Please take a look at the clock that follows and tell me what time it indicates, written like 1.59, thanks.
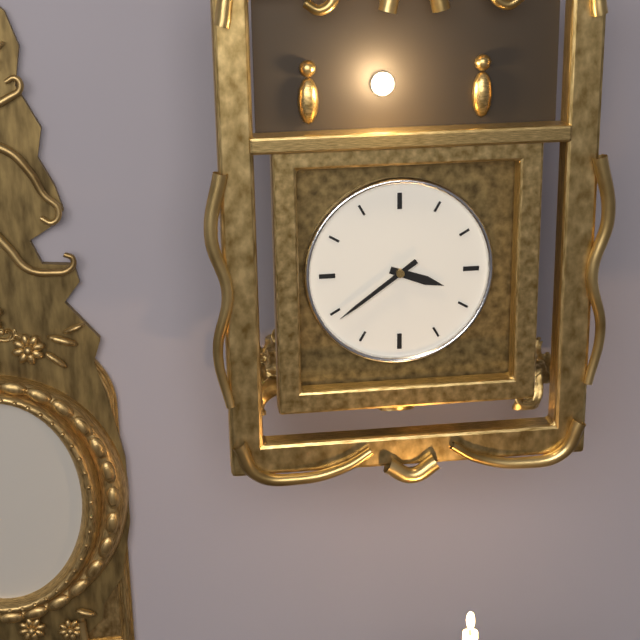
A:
3.39
